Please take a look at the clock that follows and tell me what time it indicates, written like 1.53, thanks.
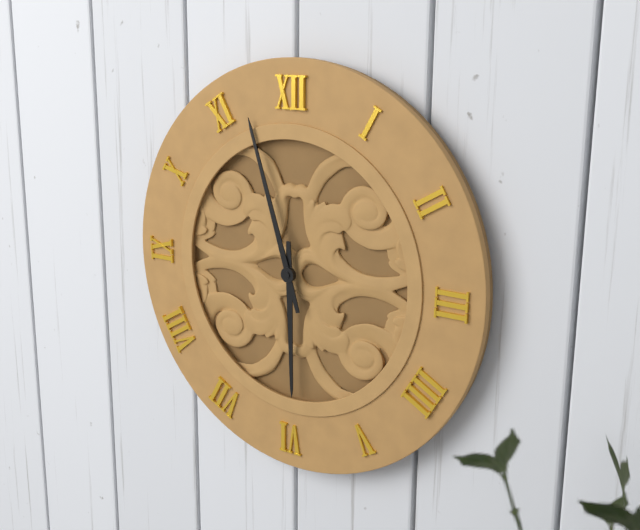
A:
5.57
